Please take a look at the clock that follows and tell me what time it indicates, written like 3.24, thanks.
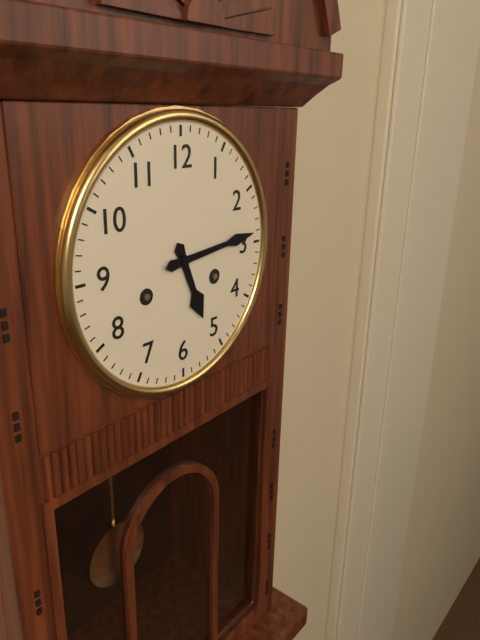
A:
5.14
